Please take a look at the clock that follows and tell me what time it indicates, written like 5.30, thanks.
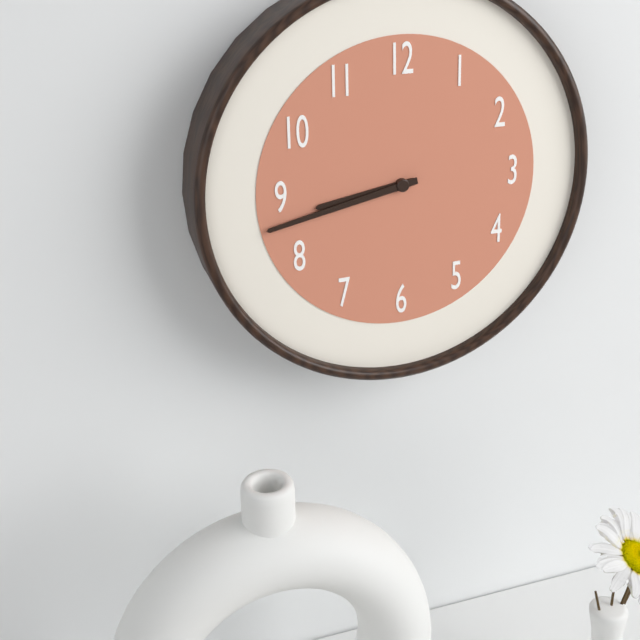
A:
8.43
